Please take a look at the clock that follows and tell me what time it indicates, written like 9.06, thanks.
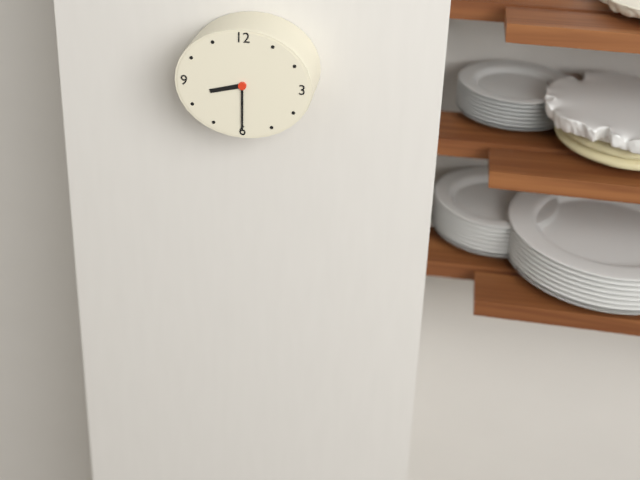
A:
8.30
